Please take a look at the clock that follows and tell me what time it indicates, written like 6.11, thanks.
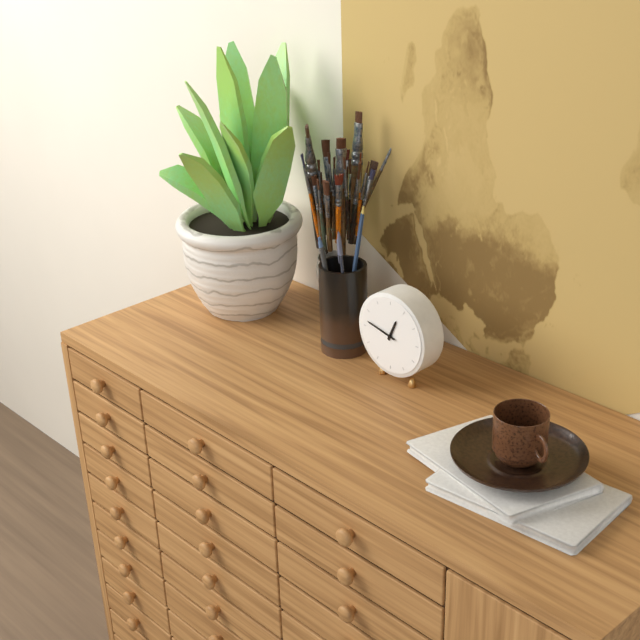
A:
12.47
